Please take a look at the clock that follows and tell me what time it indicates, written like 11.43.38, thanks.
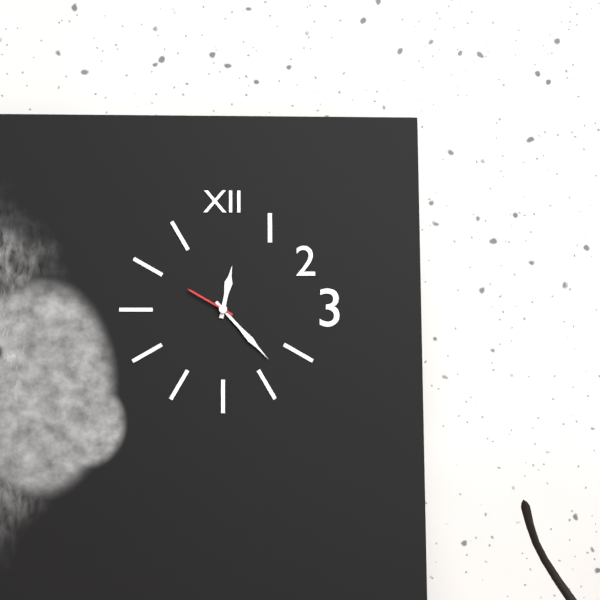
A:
12.23.50
